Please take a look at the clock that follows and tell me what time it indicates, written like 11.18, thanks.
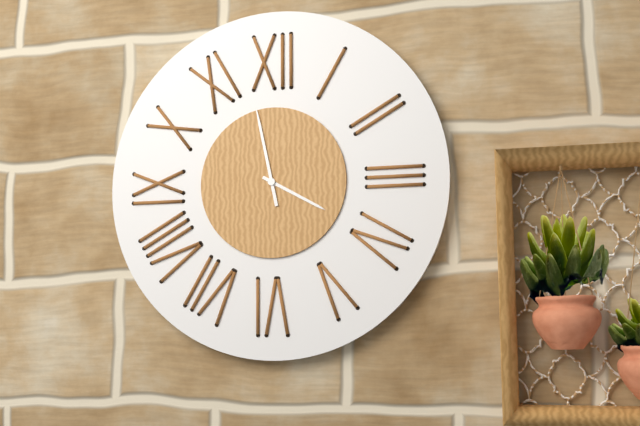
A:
3.58
